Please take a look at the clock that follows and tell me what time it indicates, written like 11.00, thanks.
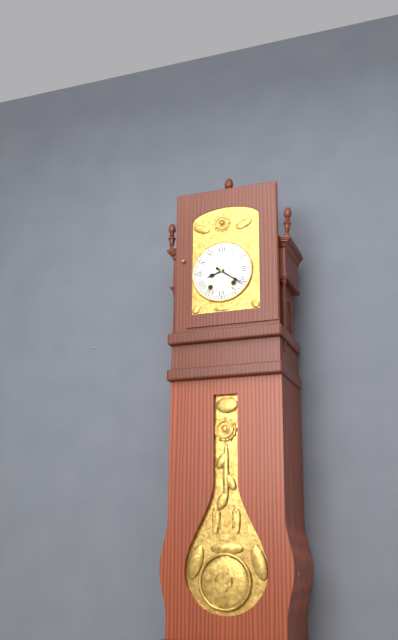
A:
8.21
